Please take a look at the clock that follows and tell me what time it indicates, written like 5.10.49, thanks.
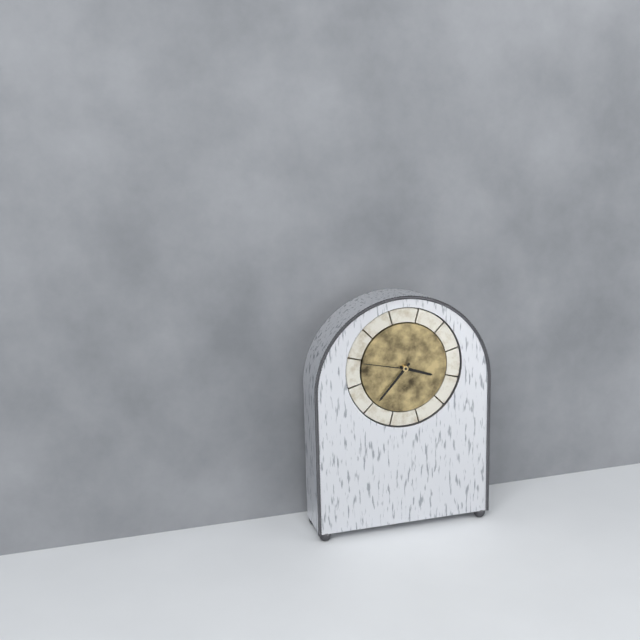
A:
3.37.47
